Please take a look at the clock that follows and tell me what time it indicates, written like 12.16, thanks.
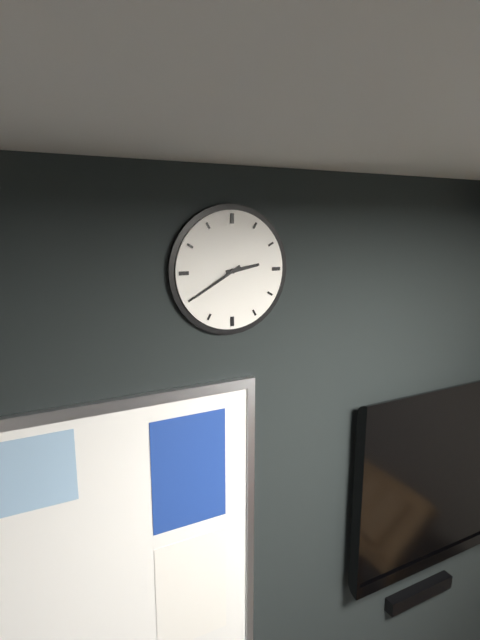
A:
2.40
